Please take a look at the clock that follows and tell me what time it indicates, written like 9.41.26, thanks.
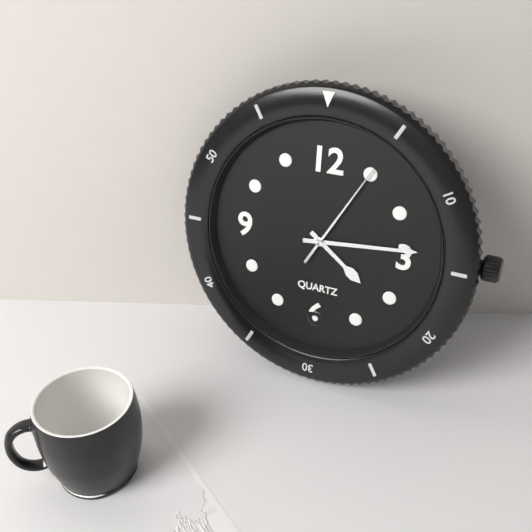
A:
4.14.05
